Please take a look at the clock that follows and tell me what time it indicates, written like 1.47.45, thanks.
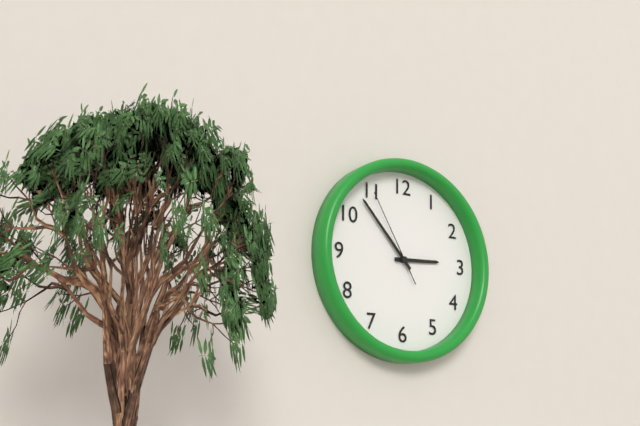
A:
2.53.55
